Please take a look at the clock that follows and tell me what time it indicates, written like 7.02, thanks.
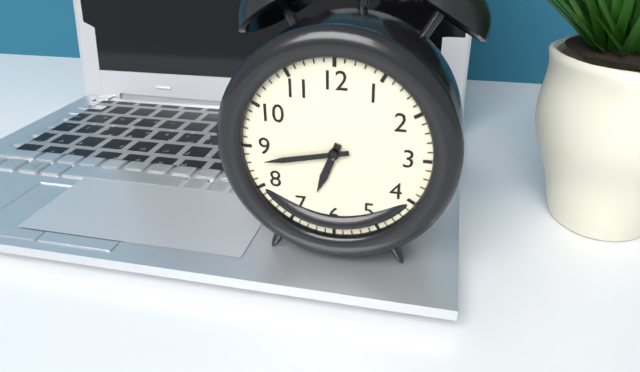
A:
6.43
